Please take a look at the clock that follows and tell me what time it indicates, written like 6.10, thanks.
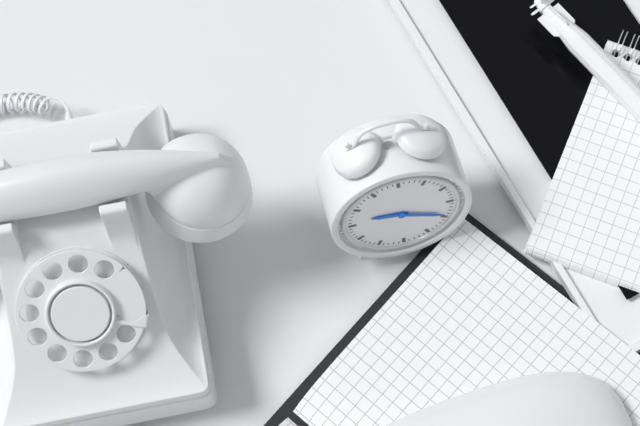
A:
9.19
